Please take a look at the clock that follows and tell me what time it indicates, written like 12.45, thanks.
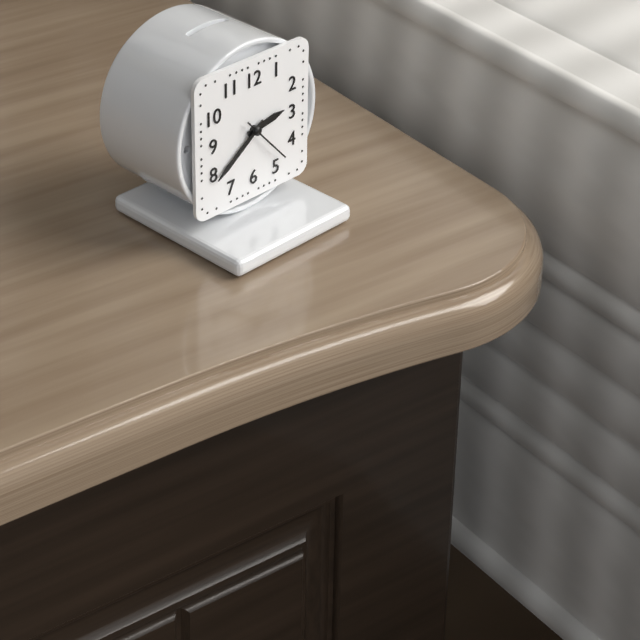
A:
2.39
